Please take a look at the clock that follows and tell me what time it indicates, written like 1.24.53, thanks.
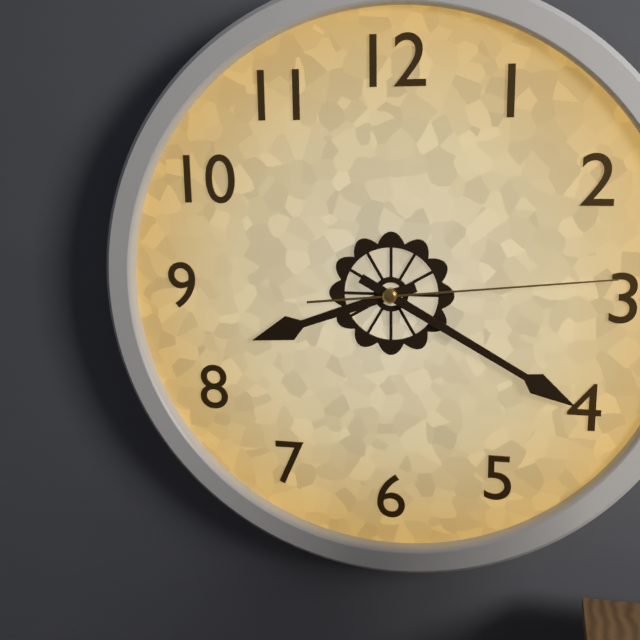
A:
8.20.14
